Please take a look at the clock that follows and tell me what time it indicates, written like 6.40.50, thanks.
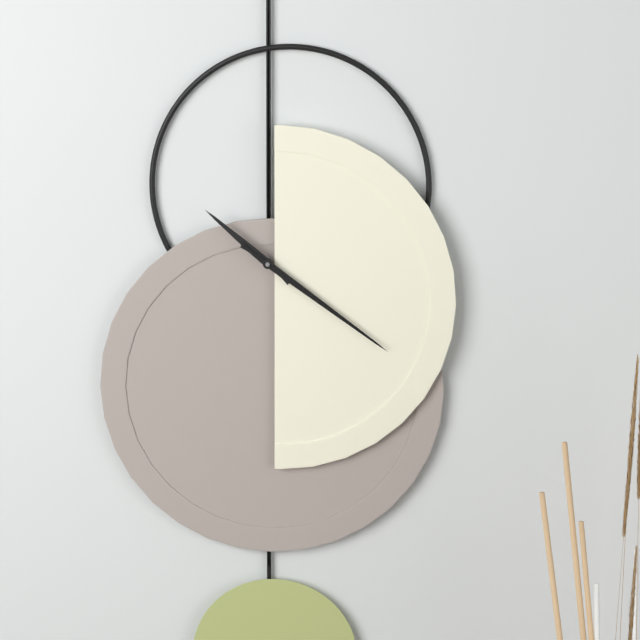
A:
10.21.21
